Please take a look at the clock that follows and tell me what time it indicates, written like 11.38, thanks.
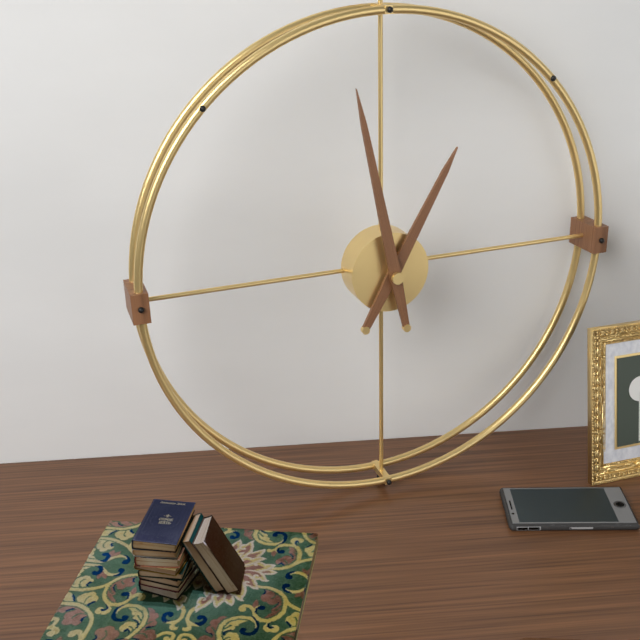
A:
12.58
